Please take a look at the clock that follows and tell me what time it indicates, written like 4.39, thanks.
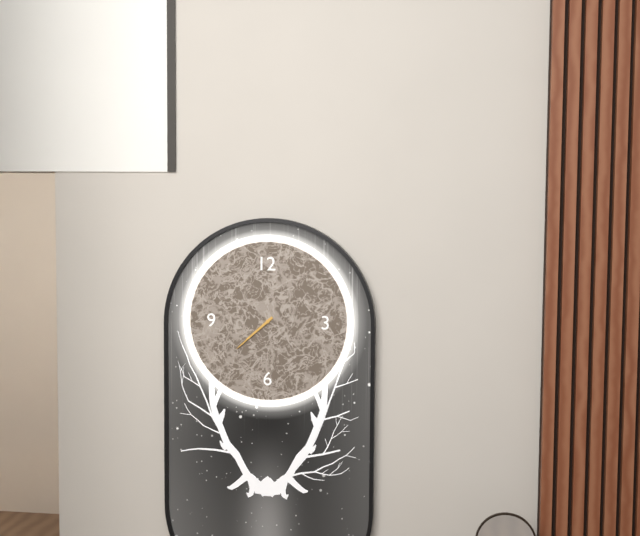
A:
7.38
